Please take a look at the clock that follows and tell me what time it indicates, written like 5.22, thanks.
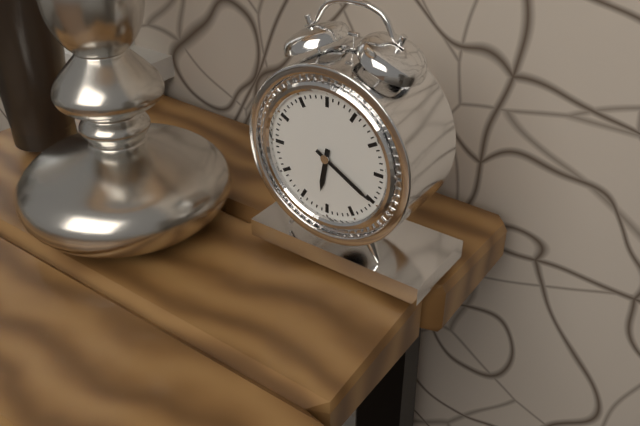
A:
6.20
